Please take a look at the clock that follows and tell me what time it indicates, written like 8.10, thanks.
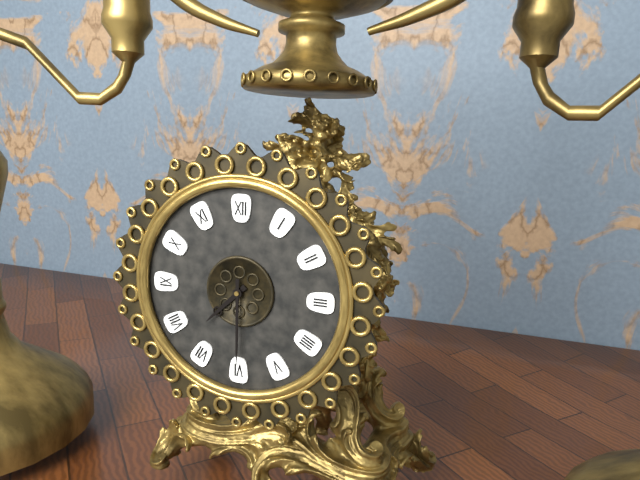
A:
7.30
